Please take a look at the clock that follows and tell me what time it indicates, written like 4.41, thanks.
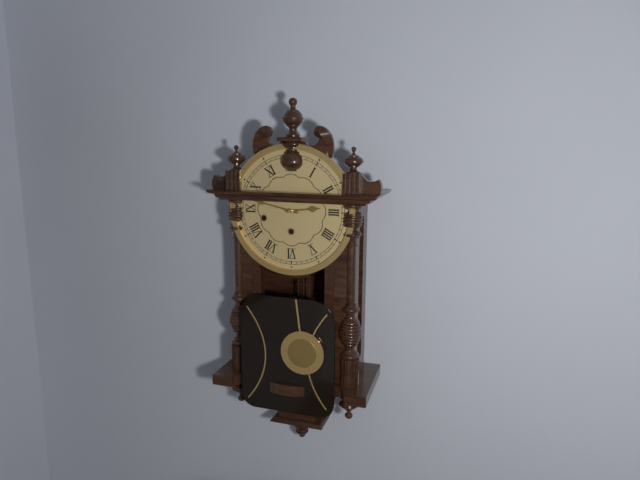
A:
2.47
